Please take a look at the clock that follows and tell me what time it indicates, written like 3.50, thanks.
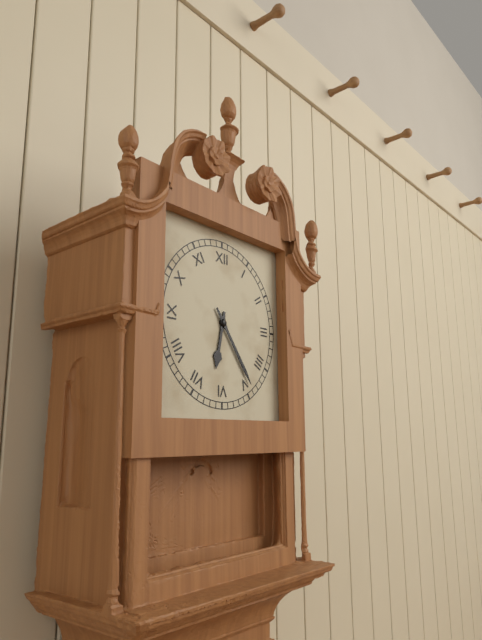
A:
6.24
